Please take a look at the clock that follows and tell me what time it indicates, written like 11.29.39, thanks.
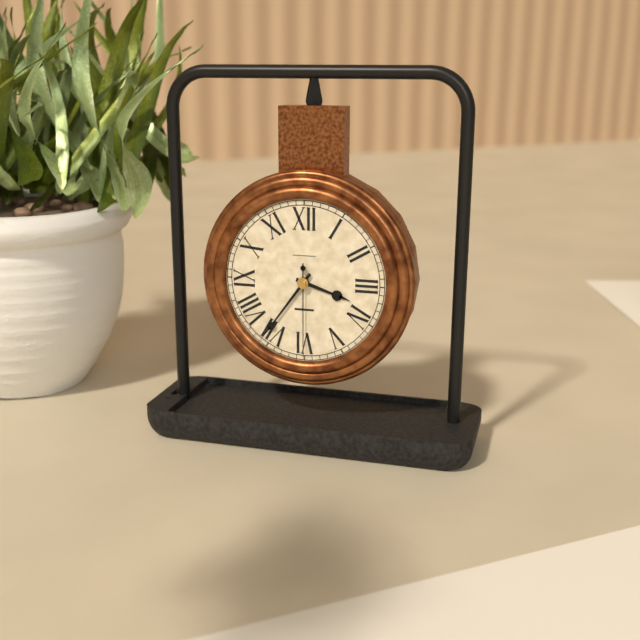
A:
3.36.30
